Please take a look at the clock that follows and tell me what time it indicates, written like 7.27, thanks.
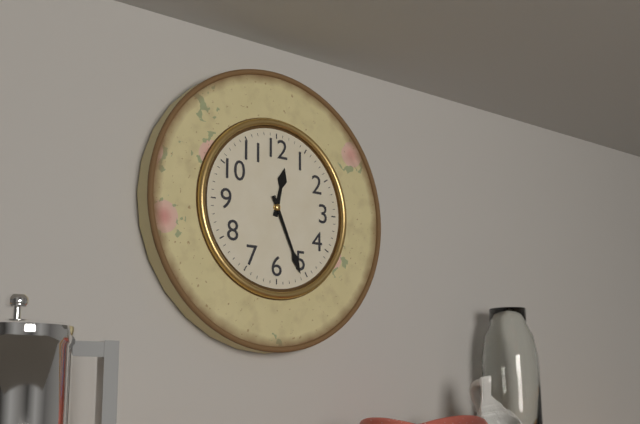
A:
12.26
